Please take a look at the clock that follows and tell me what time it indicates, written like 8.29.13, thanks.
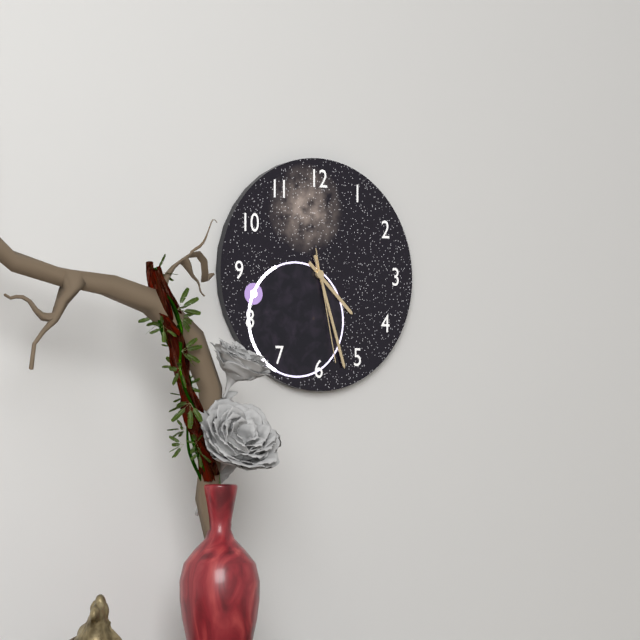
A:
4.27.28
